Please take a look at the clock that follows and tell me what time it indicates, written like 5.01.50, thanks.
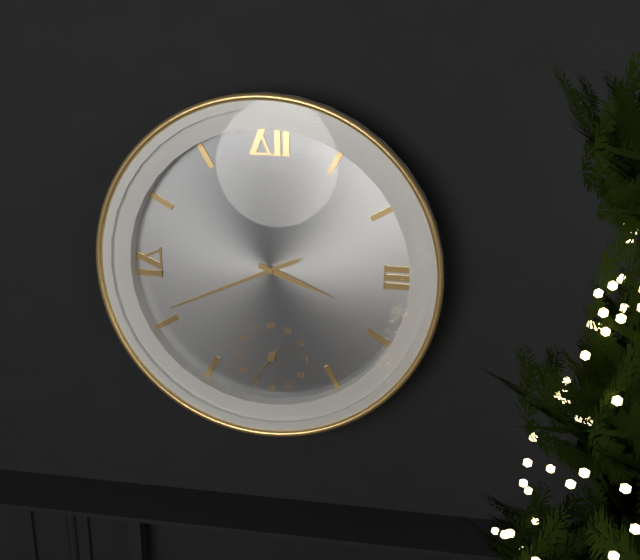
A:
3.41.36
